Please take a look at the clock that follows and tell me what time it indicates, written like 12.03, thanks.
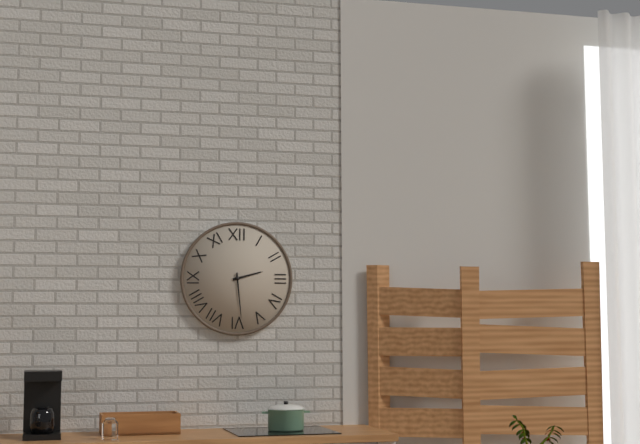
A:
2.29
